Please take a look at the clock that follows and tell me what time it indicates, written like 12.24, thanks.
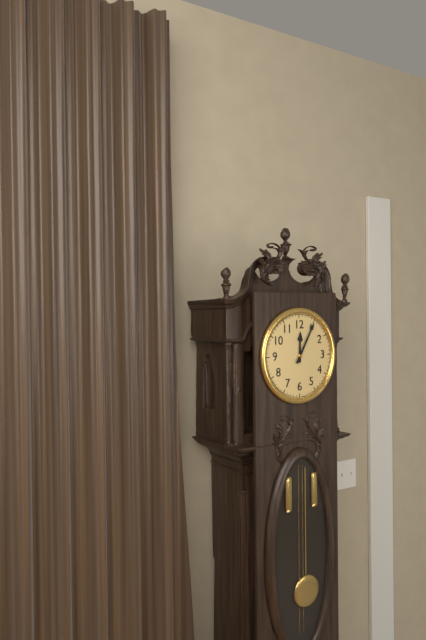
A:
12.05
